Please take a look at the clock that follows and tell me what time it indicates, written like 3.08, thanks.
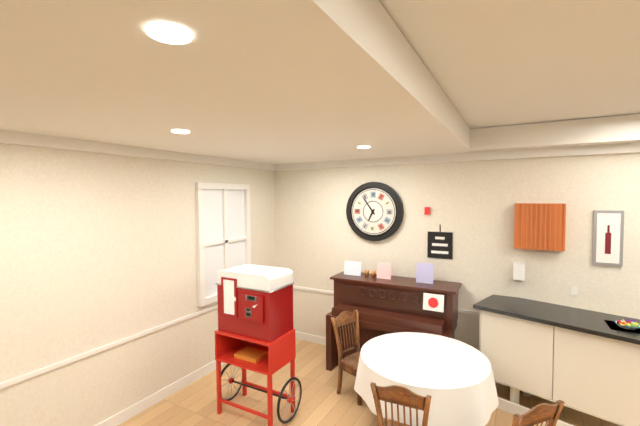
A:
6.54
